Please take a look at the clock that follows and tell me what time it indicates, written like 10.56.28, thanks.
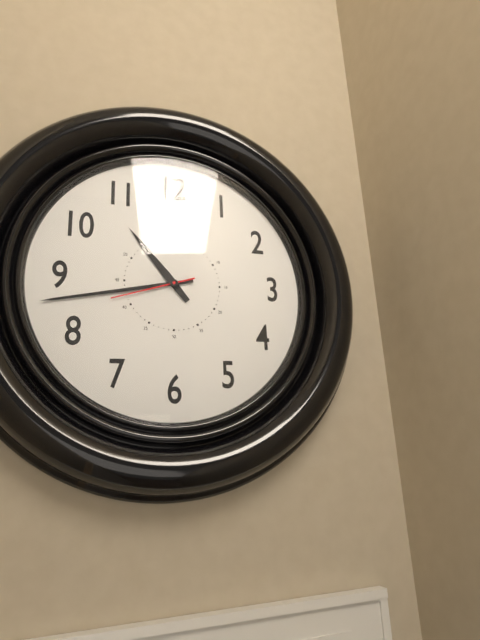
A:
10.43.42
